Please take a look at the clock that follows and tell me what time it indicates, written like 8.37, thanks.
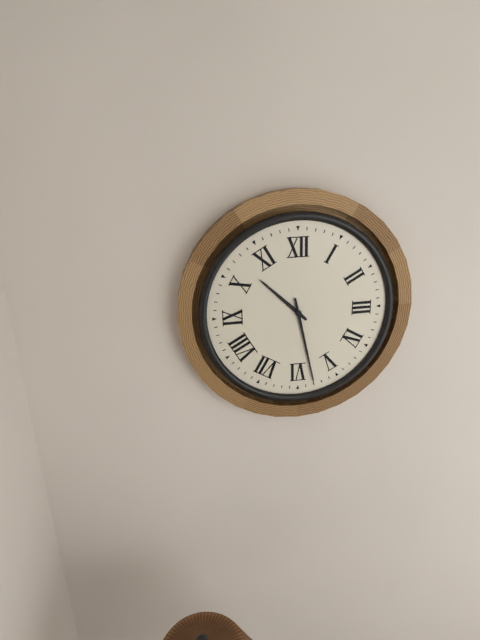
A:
10.28
